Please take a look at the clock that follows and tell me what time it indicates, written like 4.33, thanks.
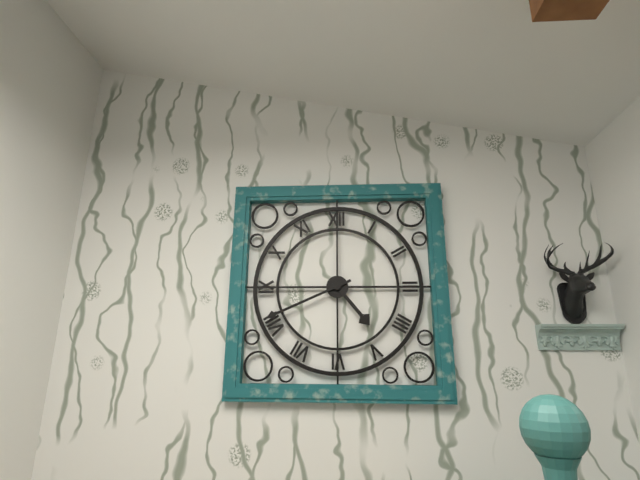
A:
4.41
